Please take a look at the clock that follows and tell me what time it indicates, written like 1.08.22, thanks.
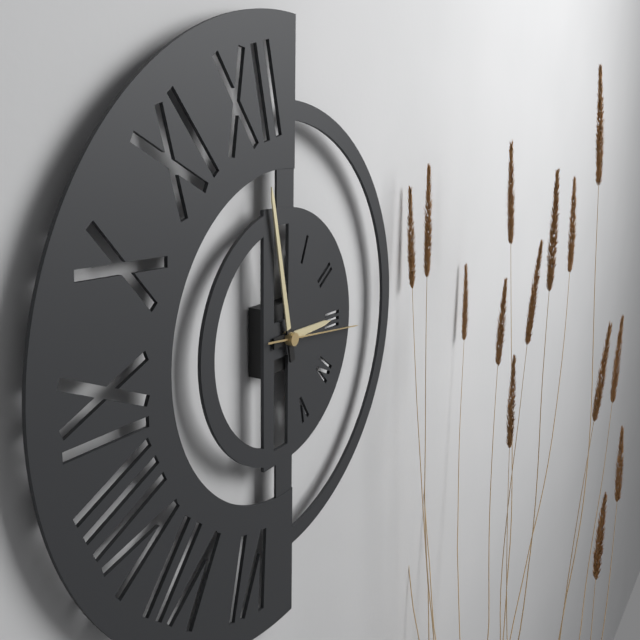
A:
2.58.16
